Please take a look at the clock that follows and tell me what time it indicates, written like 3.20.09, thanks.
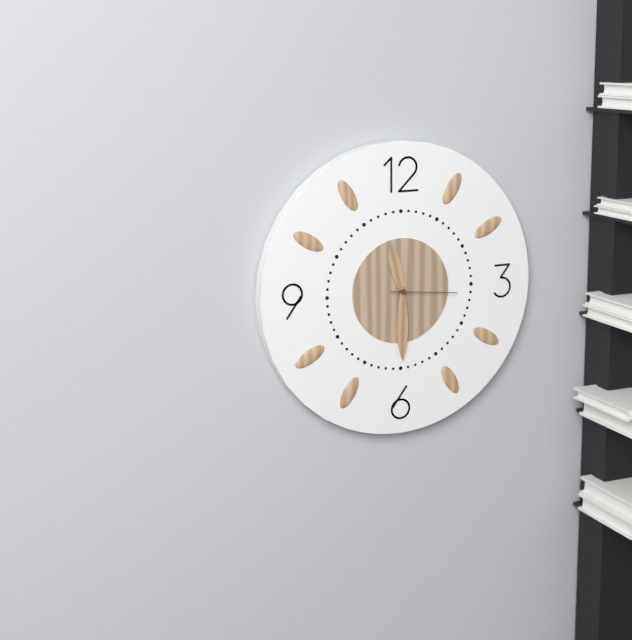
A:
11.30.16
